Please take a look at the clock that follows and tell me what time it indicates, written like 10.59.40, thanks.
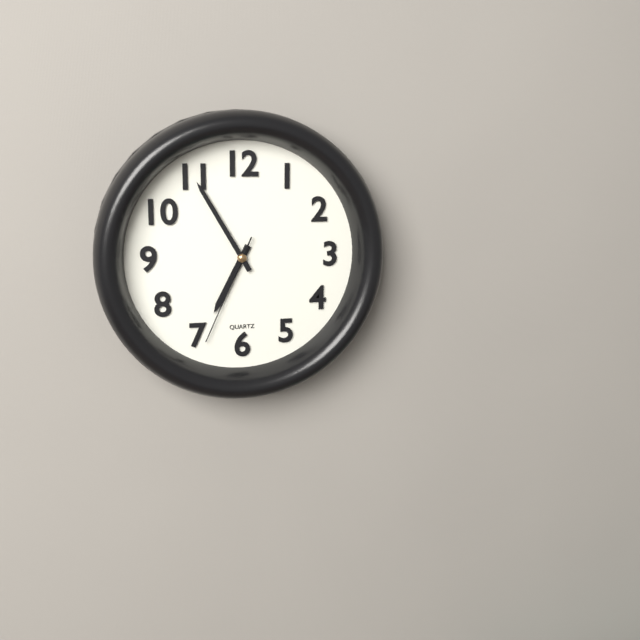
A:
6.55.34
